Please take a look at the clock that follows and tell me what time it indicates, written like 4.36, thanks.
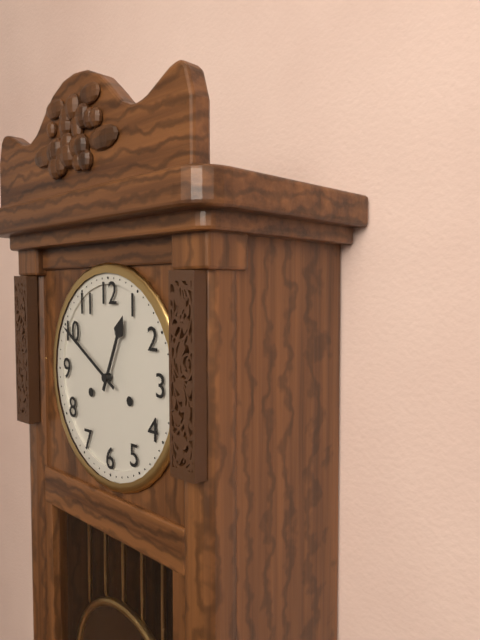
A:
12.50
